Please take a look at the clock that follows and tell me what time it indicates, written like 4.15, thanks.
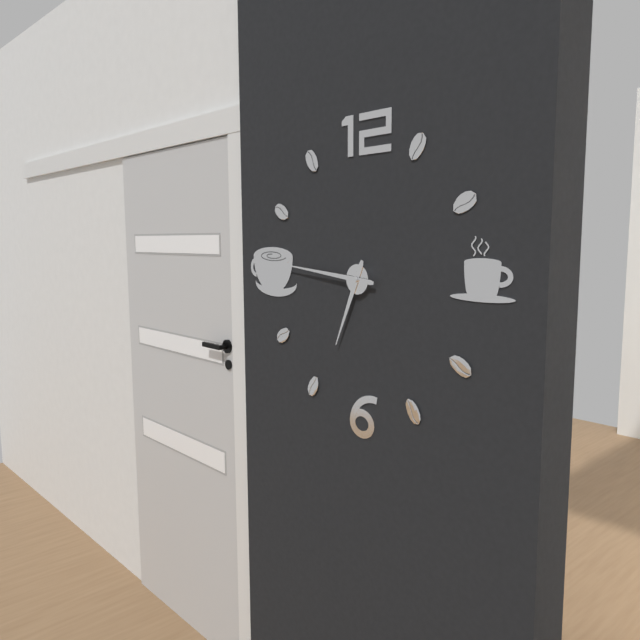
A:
6.46
